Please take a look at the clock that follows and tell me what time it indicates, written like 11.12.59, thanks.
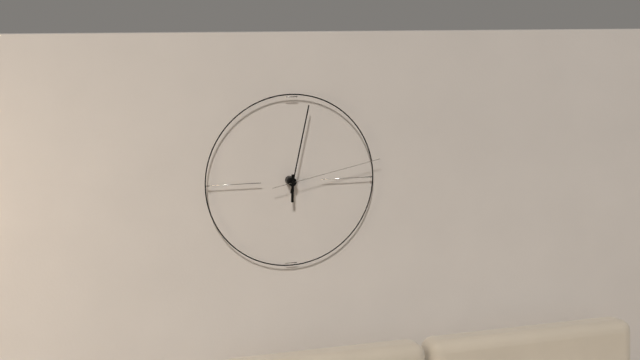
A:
6.02.13
